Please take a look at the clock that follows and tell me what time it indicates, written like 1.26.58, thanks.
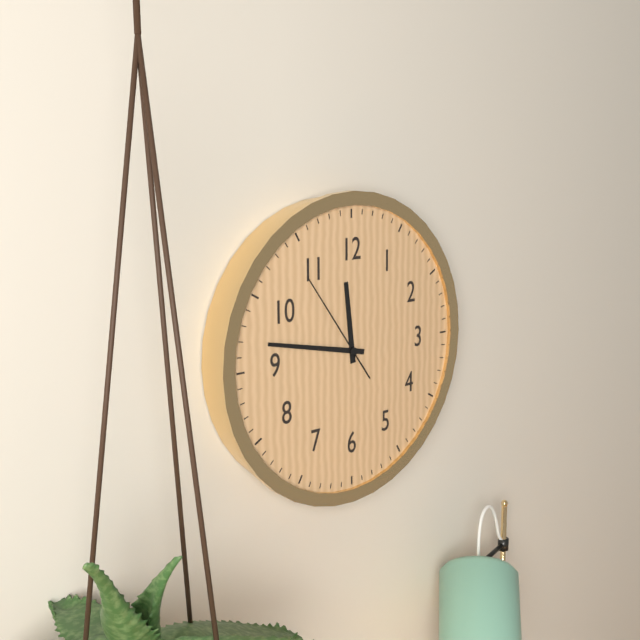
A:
11.47.54
